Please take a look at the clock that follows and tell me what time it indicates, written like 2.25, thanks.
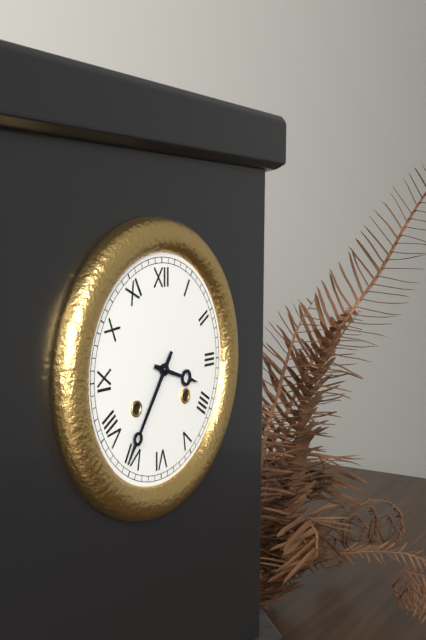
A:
3.36
